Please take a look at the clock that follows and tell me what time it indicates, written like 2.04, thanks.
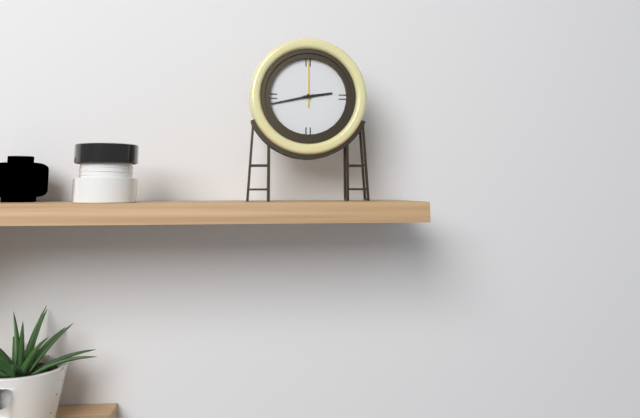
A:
2.43
